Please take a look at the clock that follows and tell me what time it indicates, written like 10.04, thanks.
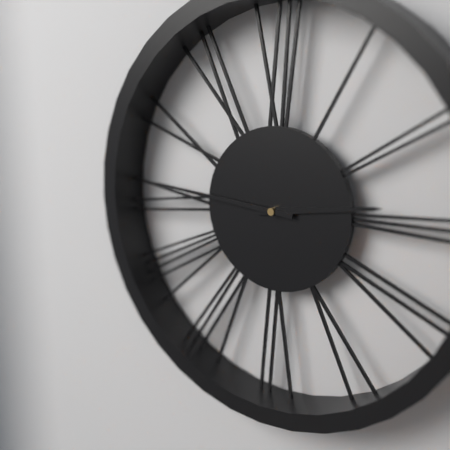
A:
2.46
